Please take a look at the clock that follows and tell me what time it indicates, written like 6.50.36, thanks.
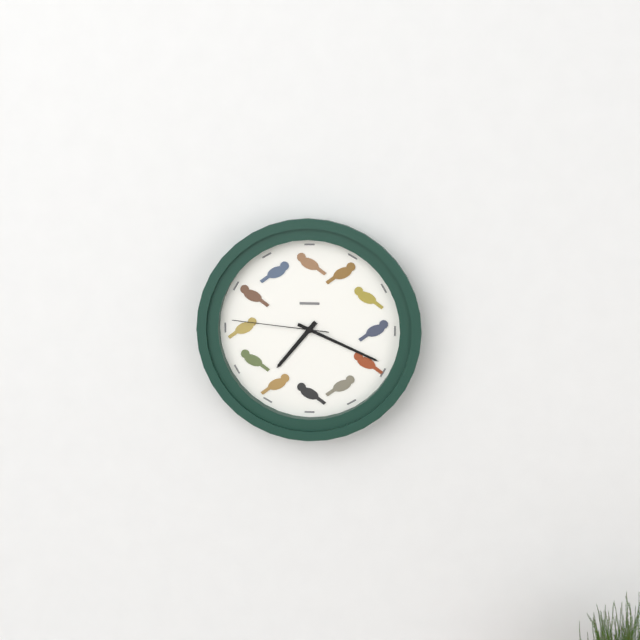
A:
7.19.46
